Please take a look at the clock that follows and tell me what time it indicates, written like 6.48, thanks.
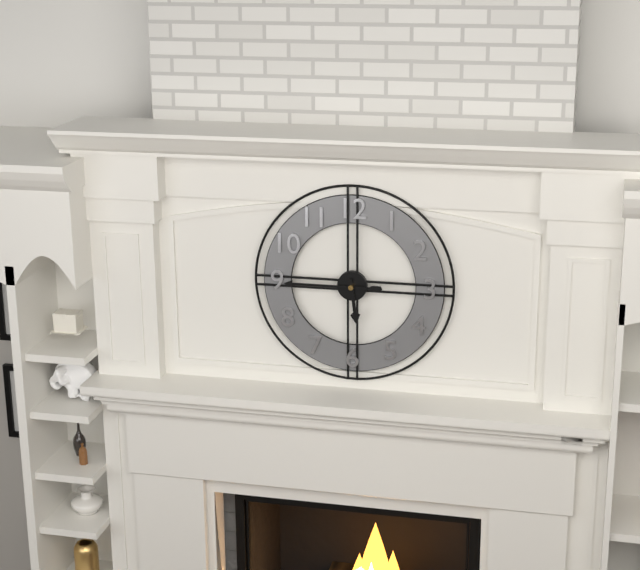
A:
5.45
